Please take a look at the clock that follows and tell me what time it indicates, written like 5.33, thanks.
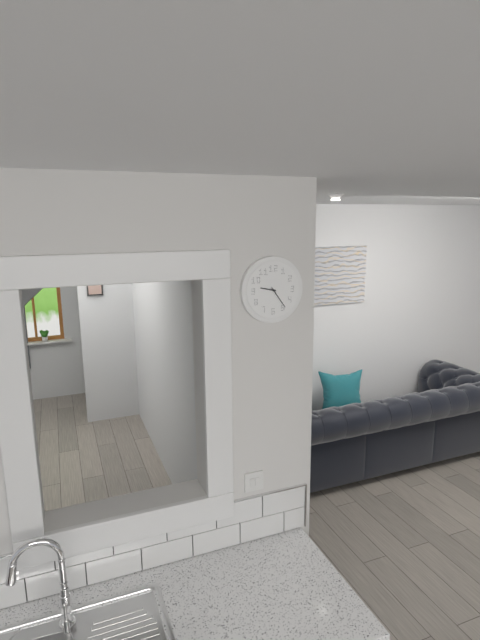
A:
9.24
